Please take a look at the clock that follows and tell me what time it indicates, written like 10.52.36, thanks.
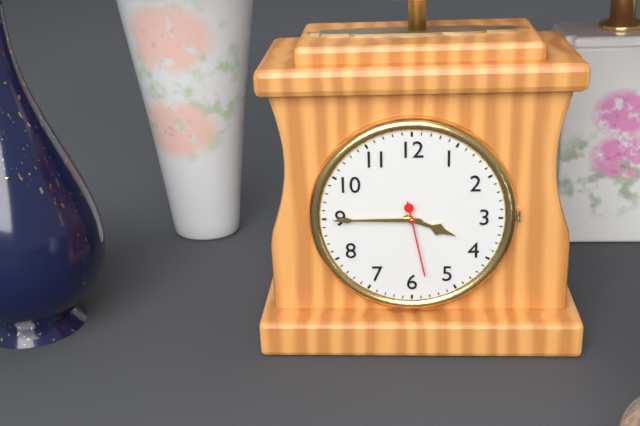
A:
3.45.28
